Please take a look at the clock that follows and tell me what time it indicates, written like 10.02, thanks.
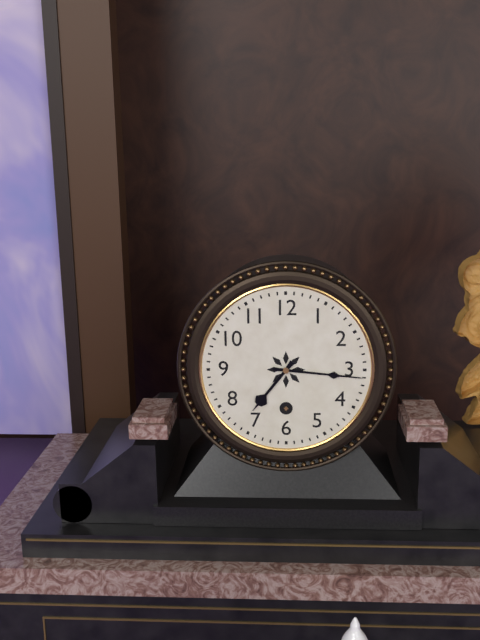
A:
7.16
